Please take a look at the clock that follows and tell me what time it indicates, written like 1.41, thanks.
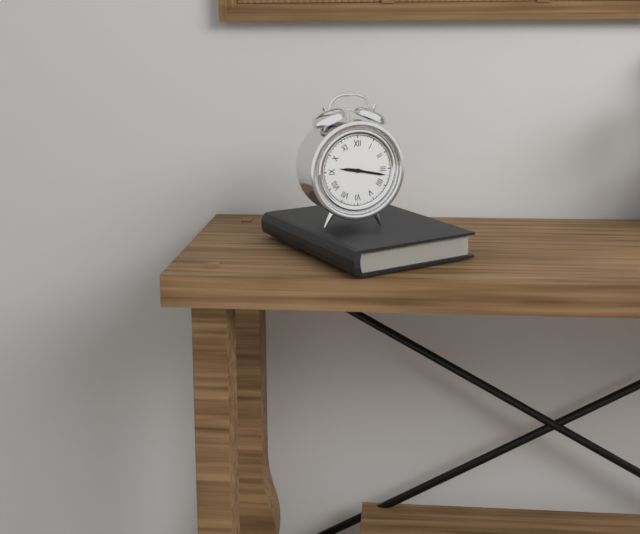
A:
9.17
